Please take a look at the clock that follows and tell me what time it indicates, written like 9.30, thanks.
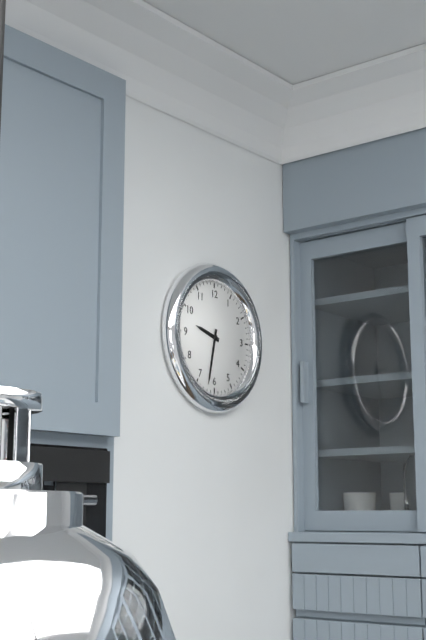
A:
9.32
